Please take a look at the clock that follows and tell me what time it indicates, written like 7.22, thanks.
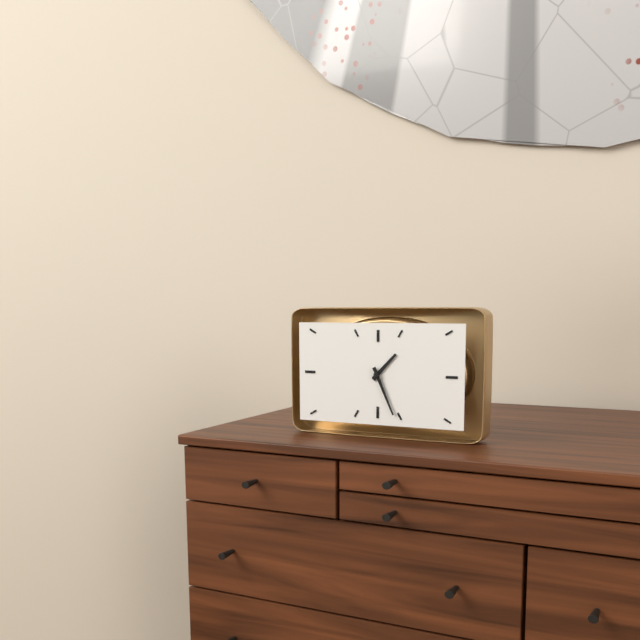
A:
1.26
